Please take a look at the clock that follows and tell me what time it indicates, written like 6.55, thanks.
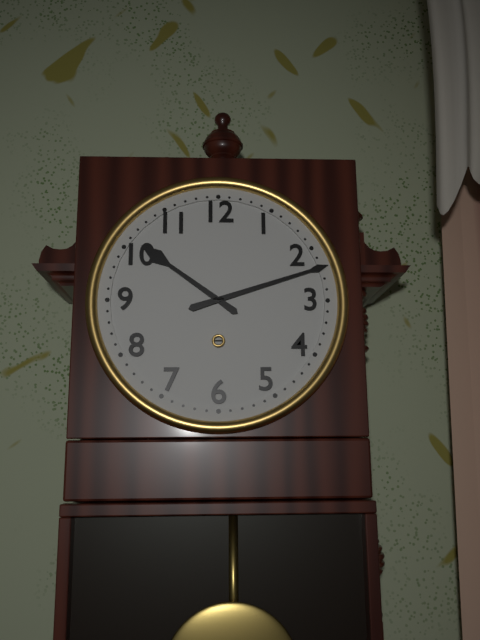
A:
10.12
